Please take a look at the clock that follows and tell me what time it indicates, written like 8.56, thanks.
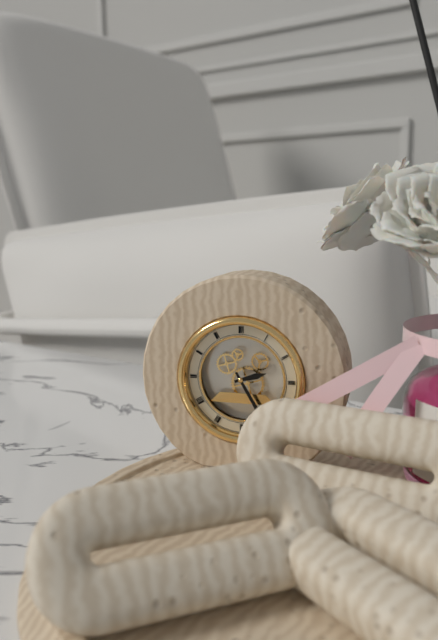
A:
2.25
